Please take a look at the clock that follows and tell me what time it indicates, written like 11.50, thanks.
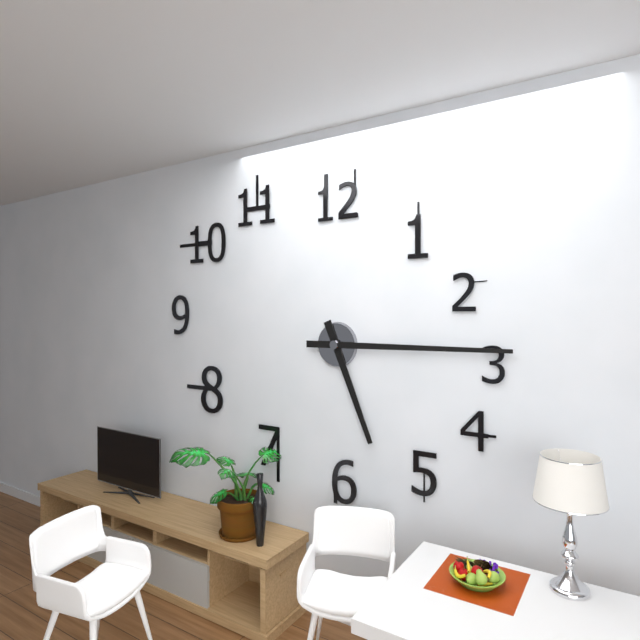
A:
5.15
